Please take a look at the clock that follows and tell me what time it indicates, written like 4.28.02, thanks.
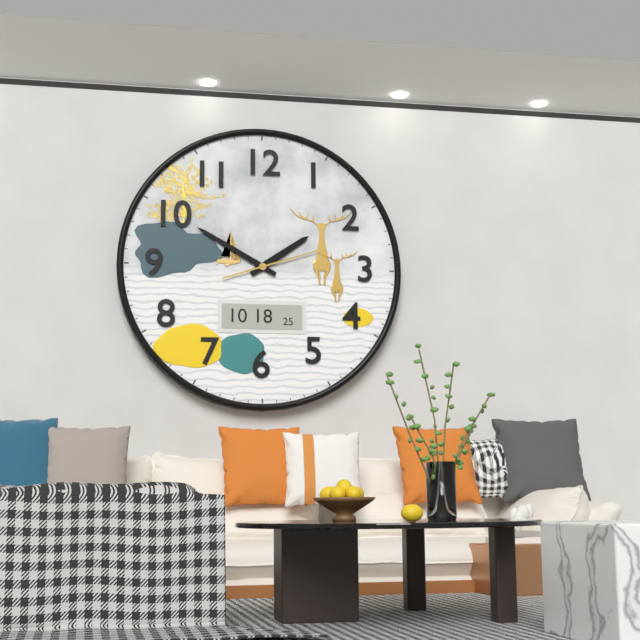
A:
1.50.12
